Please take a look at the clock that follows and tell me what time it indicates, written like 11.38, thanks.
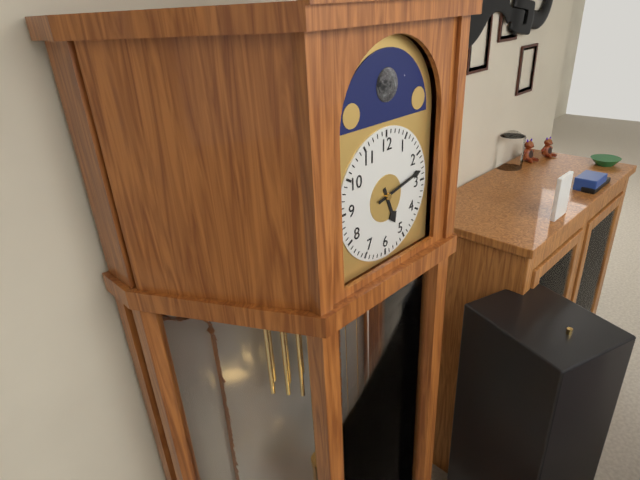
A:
5.13
